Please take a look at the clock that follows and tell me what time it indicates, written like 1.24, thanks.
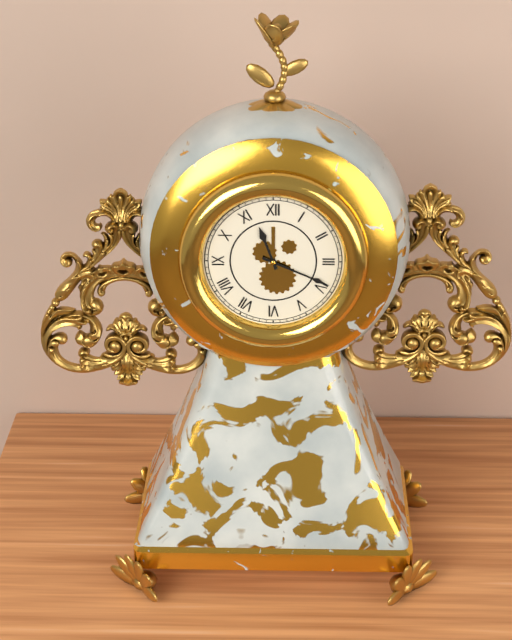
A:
11.19
